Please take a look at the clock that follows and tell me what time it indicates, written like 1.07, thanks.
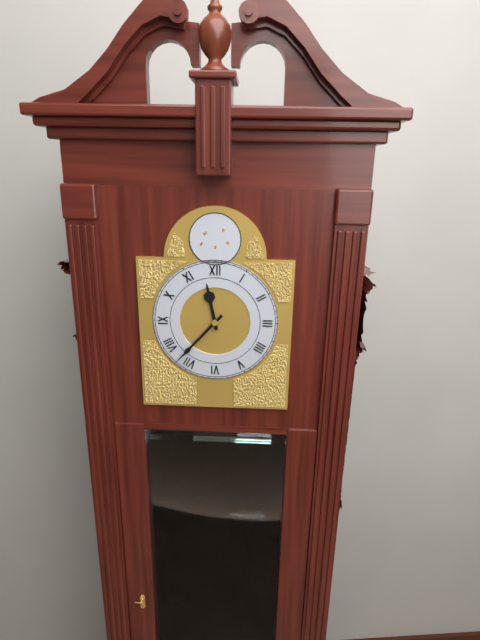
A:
11.37
